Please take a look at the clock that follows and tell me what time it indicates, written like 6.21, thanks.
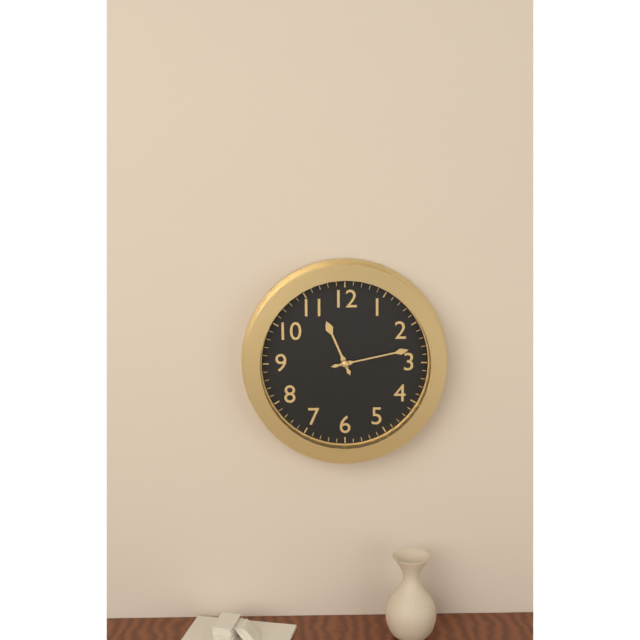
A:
11.13
